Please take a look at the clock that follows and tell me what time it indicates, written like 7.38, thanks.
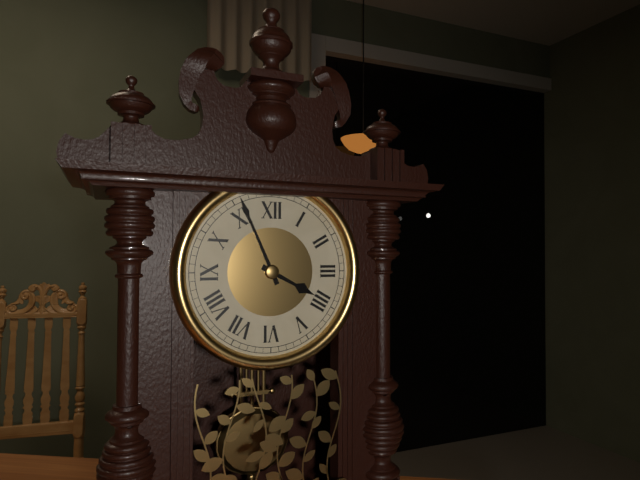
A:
3.56
